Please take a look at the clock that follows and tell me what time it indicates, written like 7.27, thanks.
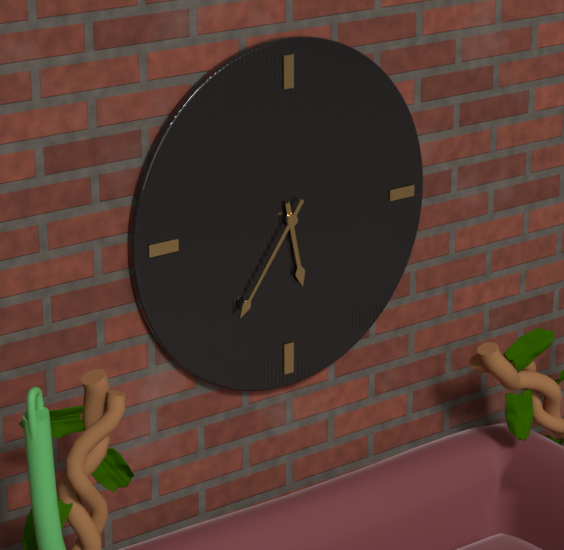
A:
5.36
